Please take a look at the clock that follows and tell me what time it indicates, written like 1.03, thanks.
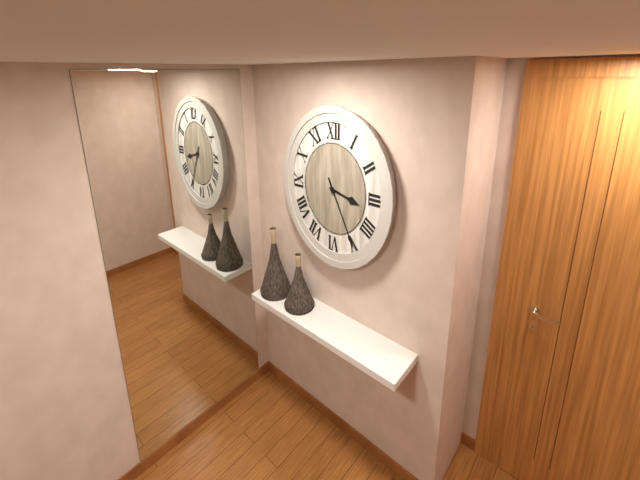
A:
3.25
